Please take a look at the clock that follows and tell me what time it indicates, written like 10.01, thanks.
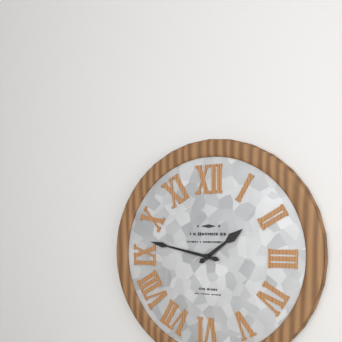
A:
1.47
